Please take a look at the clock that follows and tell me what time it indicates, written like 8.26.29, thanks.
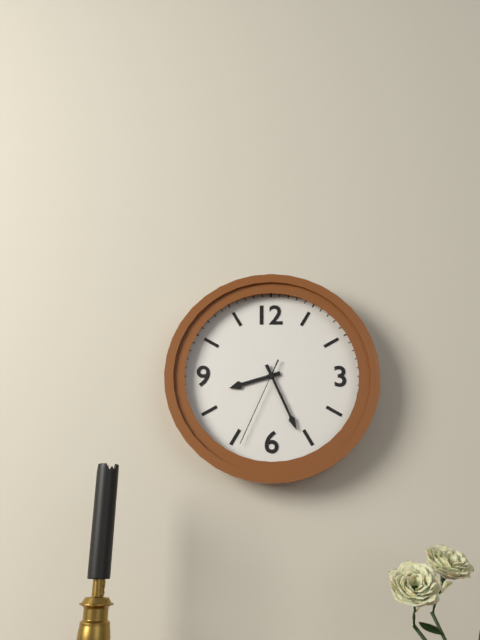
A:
8.26.34
